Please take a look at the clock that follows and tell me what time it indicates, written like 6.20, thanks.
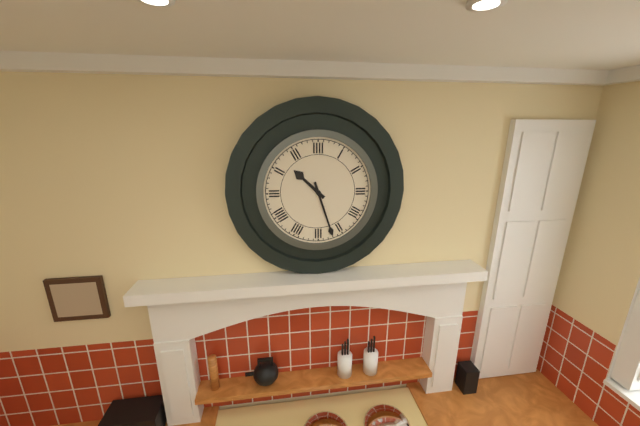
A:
10.27
